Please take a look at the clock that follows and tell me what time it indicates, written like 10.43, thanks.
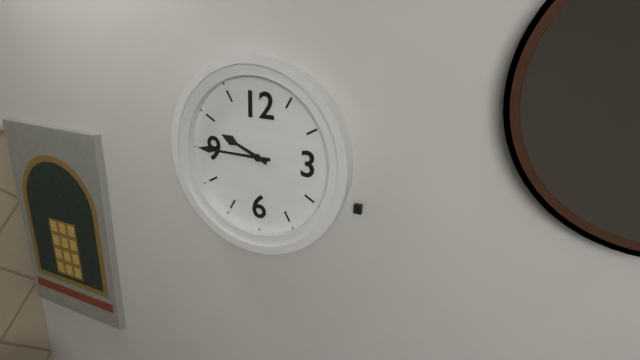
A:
9.45
